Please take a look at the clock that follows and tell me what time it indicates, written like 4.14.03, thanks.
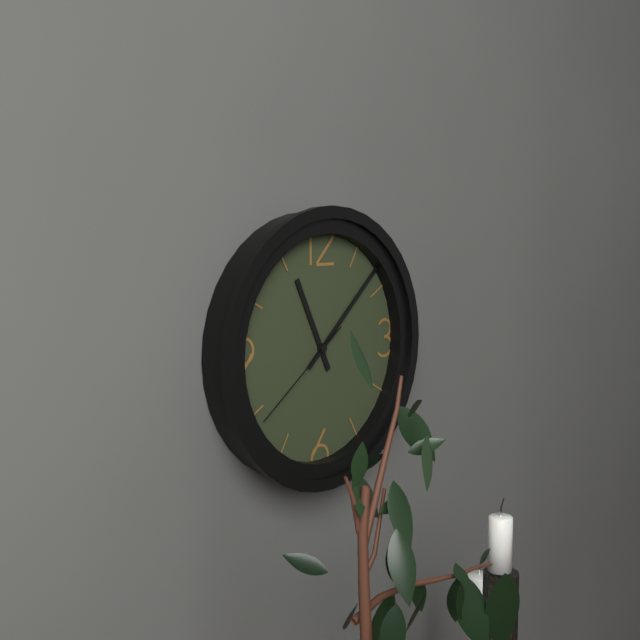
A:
11.08.39
